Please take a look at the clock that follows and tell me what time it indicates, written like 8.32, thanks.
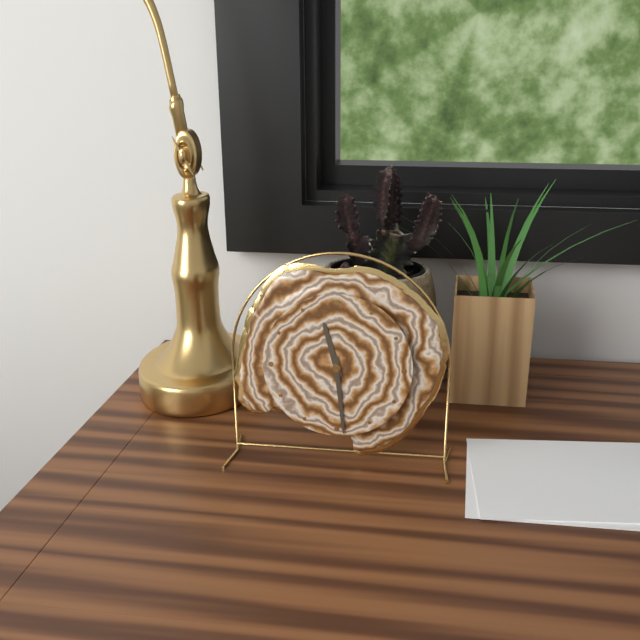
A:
11.29
